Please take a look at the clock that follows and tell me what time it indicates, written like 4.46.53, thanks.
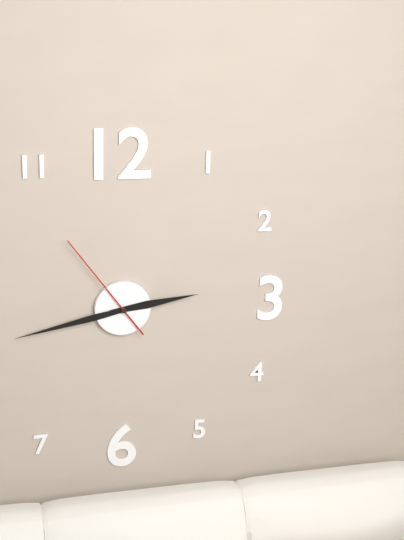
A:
2.43.54
